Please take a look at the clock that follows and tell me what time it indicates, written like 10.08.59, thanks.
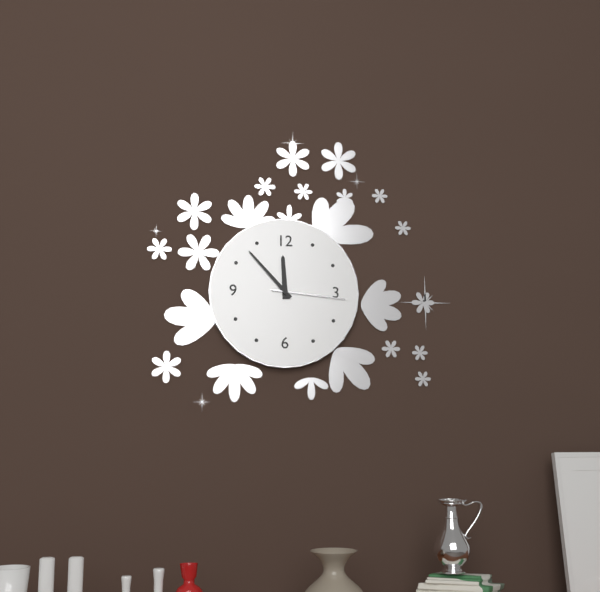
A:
11.53.16
